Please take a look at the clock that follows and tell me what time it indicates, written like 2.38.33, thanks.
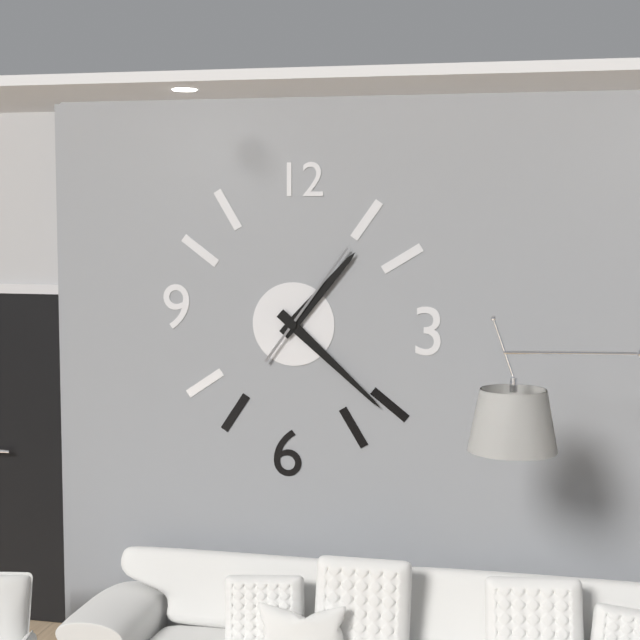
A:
1.22.06
